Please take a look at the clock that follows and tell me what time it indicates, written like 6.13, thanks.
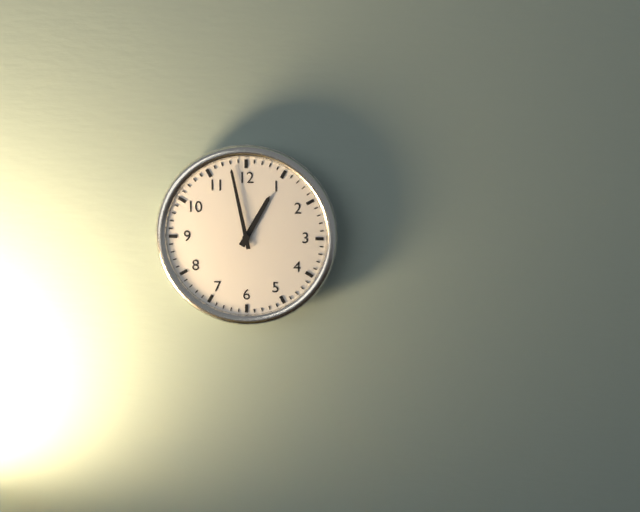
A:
12.58
